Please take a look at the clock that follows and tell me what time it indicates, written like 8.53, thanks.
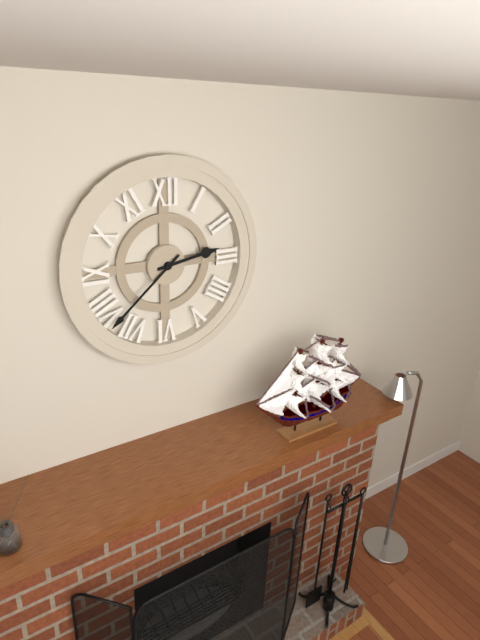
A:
2.38
